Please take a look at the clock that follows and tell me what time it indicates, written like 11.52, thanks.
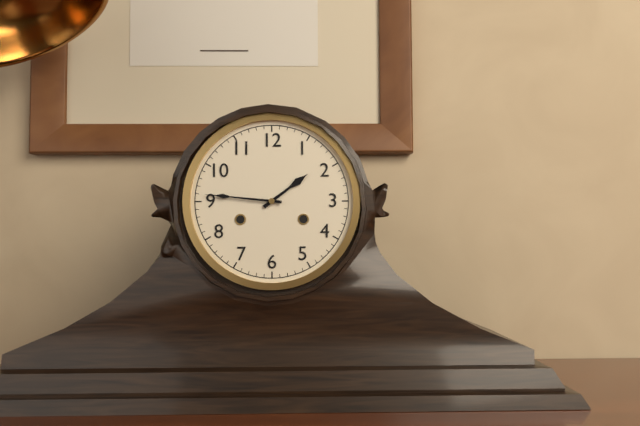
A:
1.46
